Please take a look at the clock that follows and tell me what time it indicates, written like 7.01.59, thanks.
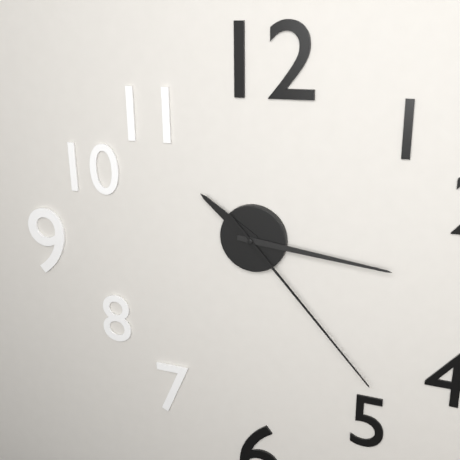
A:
10.16.23
